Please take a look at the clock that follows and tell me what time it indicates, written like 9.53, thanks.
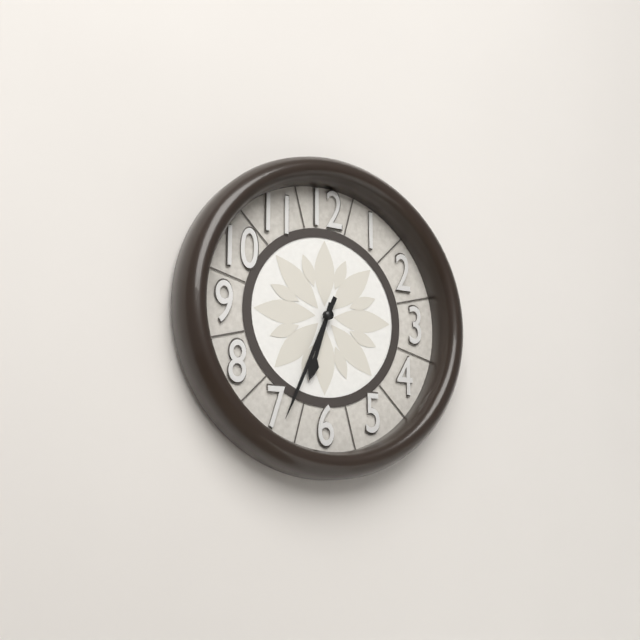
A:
6.34
